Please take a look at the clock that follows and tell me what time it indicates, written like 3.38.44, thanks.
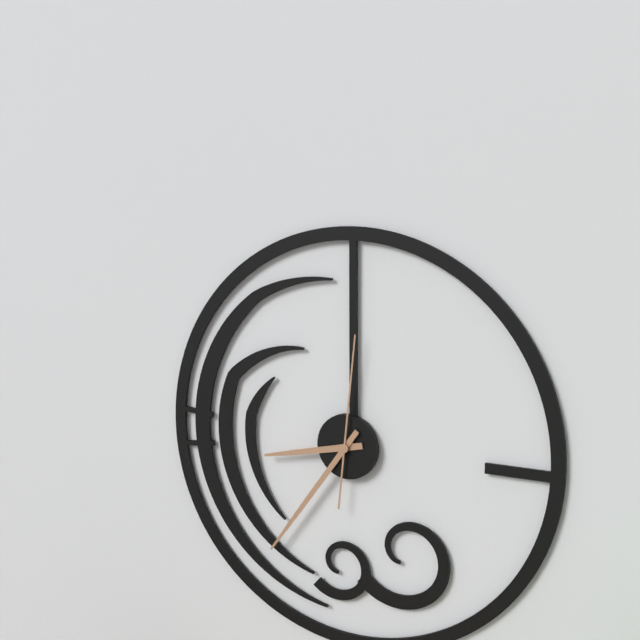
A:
8.36.01
